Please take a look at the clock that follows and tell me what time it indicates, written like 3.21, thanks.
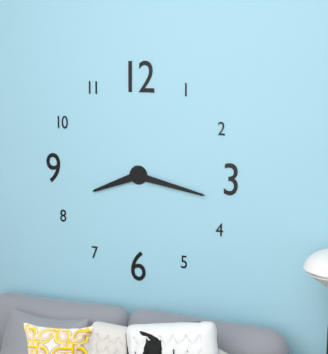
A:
8.17
